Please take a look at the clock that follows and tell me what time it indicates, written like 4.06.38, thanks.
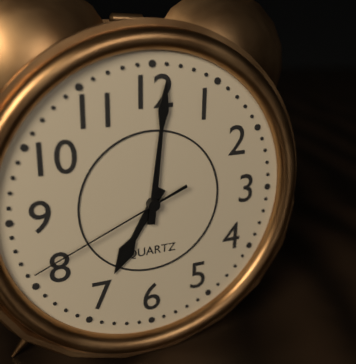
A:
7.01.41
